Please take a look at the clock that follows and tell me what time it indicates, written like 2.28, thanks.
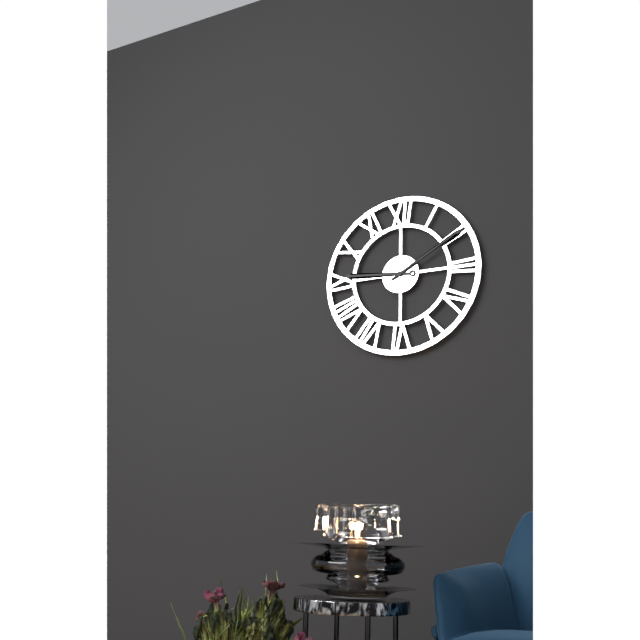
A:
9.10
